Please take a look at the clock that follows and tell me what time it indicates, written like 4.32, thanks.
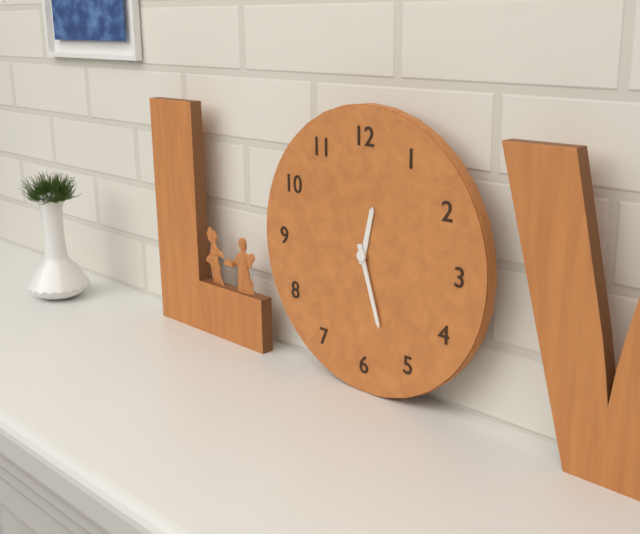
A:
12.27
